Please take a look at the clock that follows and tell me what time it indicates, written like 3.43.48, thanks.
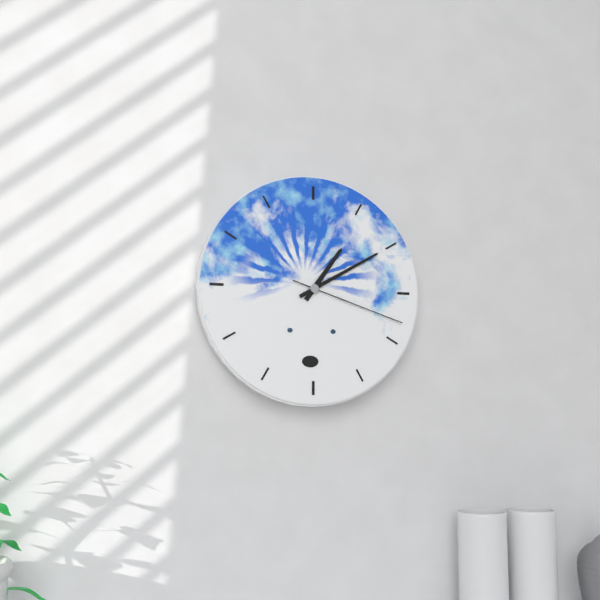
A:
1.10.18
